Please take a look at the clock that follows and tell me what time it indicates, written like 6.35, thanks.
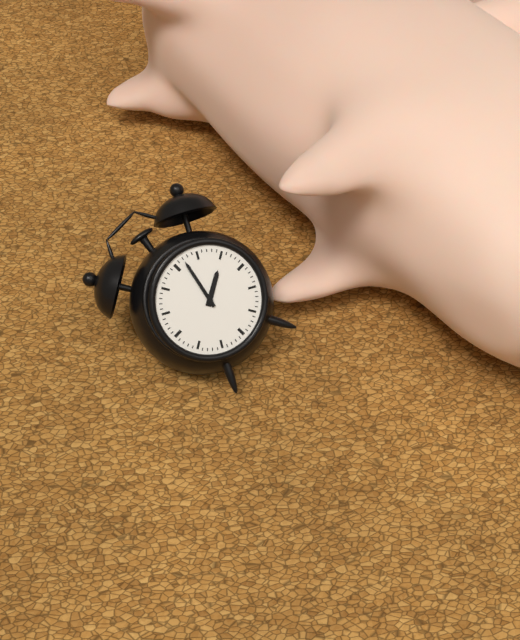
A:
2.02
